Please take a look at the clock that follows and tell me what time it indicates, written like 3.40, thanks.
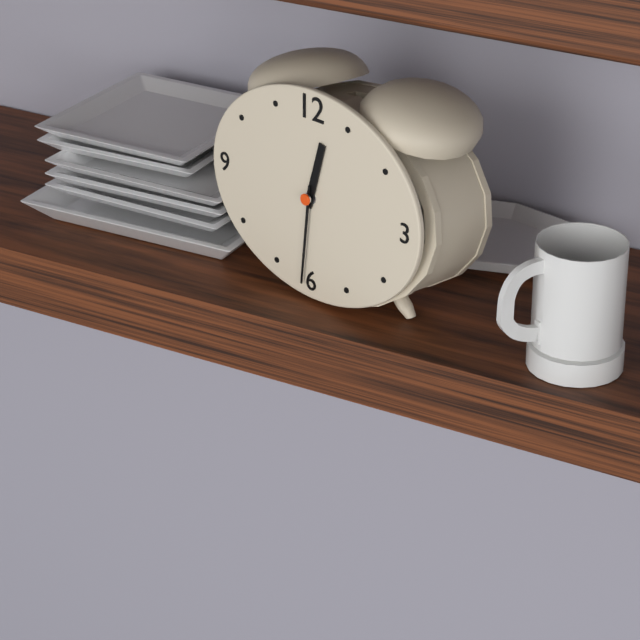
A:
12.31
